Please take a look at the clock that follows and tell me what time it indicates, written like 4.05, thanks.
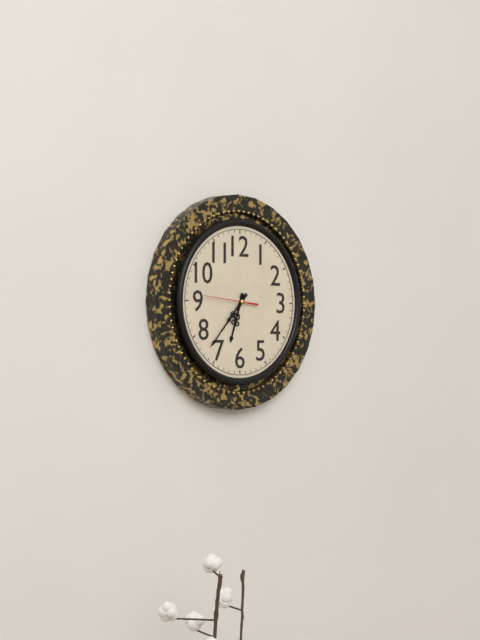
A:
6.37
